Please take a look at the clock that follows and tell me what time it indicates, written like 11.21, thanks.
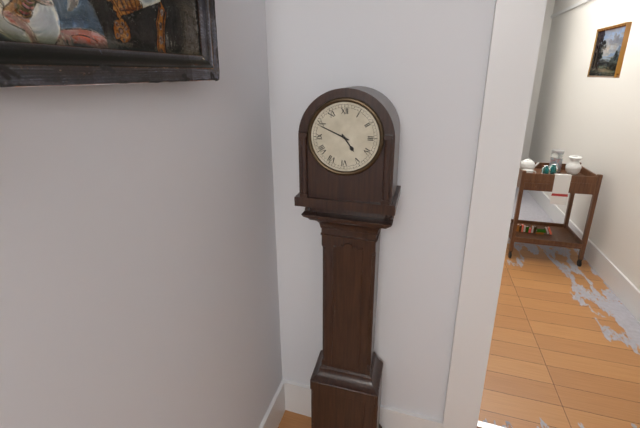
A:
4.49
